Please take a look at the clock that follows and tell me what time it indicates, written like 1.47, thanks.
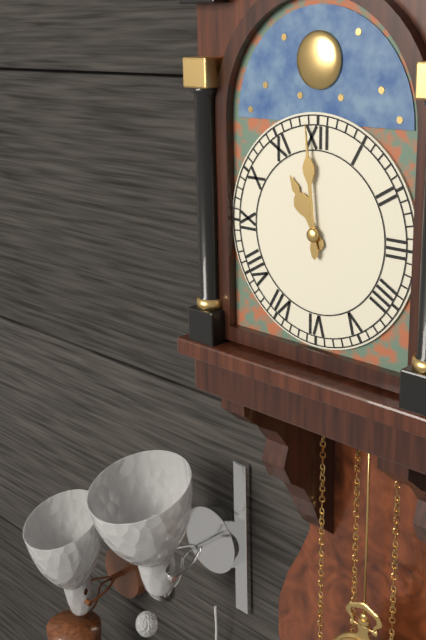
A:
10.59
